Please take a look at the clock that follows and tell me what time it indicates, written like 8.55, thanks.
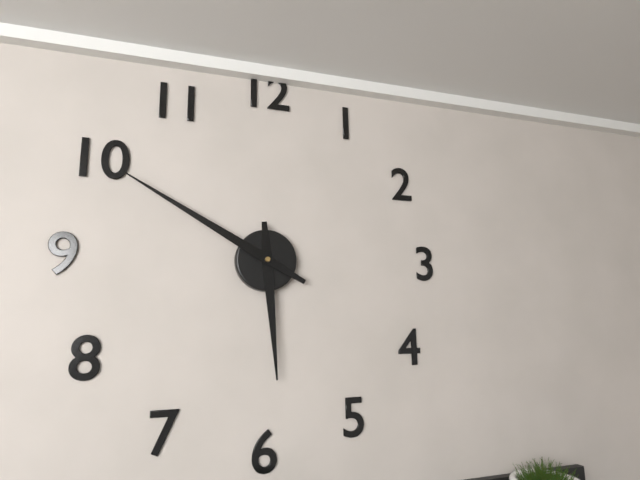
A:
5.50
